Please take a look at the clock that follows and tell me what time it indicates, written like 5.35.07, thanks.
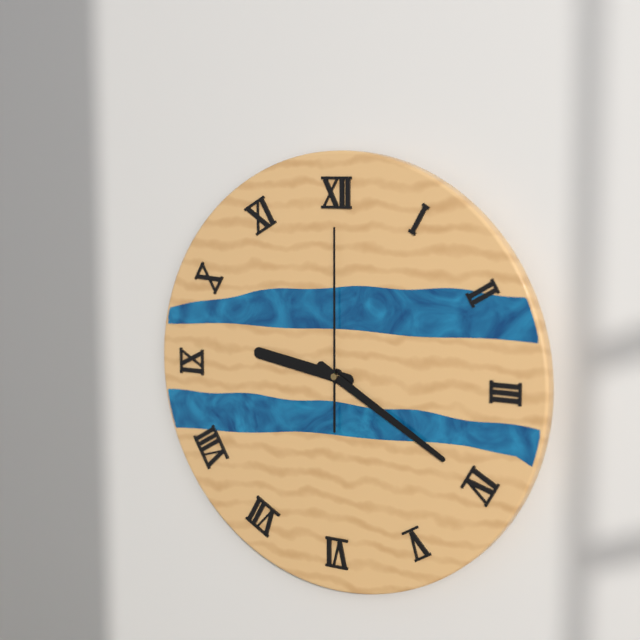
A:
9.20.00
